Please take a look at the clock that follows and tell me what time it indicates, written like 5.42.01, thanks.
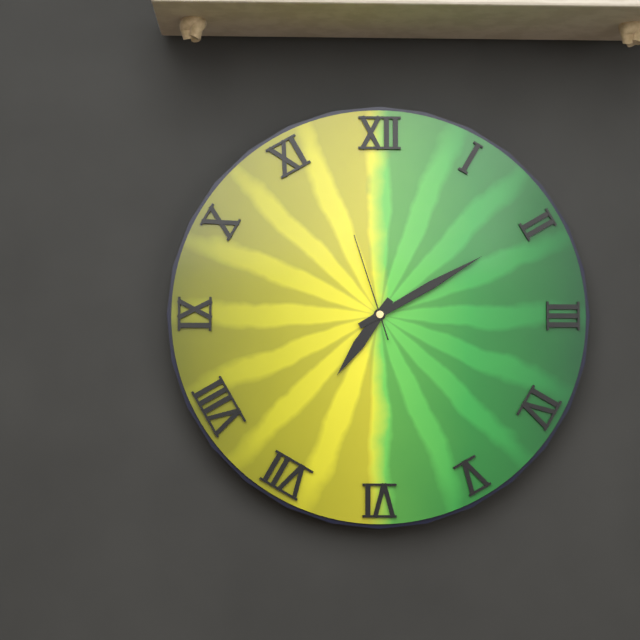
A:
7.10.57
